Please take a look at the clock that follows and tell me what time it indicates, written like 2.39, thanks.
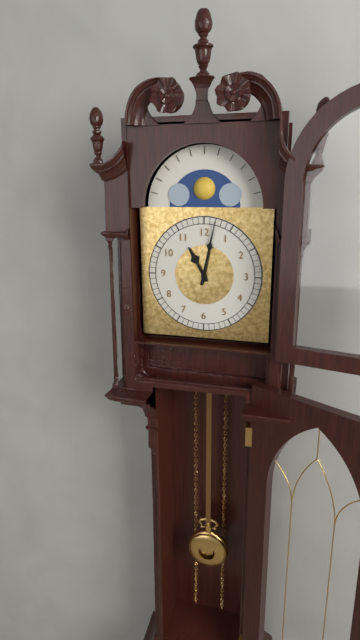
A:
11.02
